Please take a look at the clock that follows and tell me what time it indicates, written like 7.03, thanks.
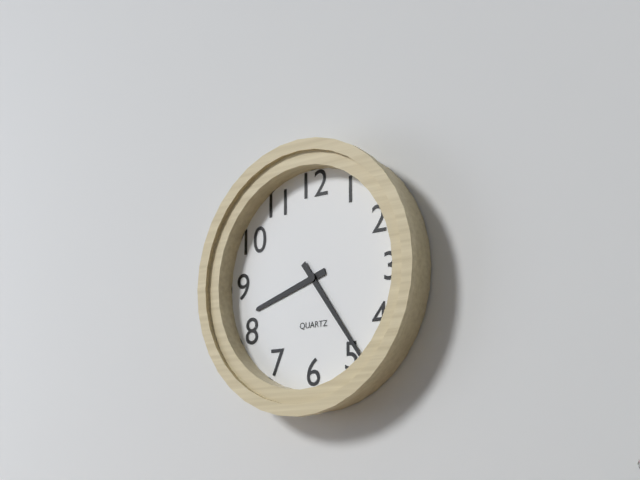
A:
8.24
